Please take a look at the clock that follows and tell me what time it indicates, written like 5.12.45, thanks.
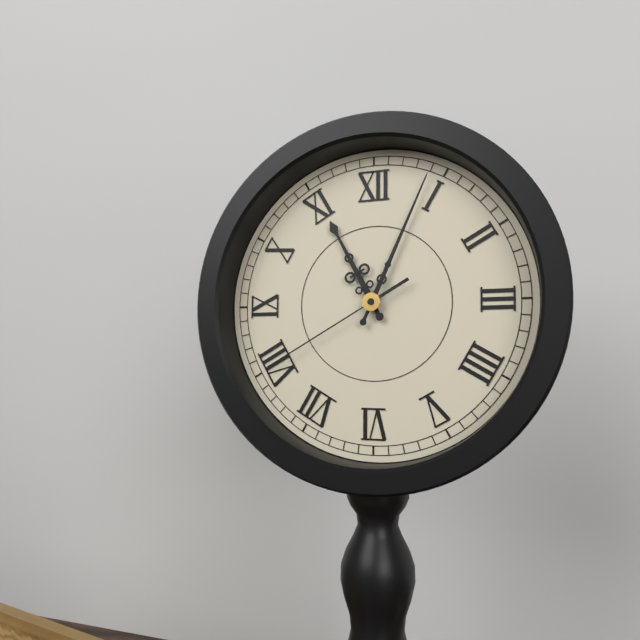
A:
11.04.40
